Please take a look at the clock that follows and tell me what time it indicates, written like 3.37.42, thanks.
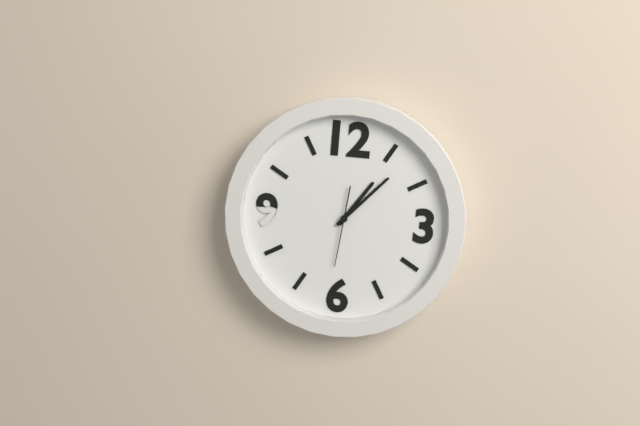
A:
1.07.31
